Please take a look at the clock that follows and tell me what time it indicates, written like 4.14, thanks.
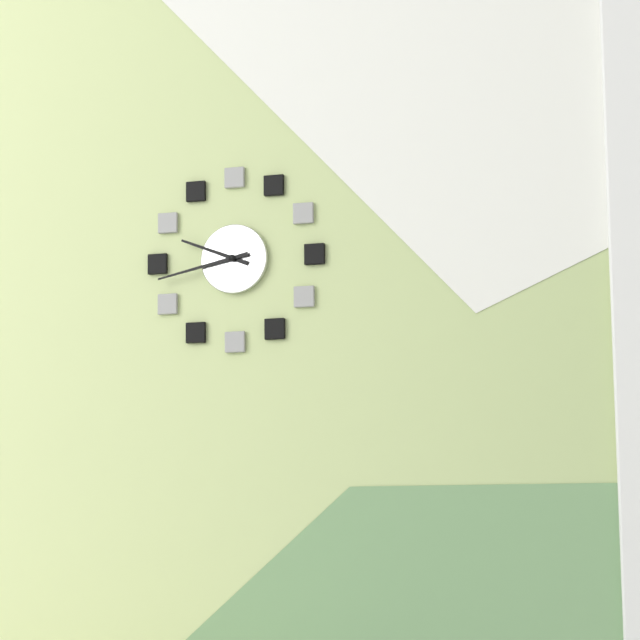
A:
9.43
